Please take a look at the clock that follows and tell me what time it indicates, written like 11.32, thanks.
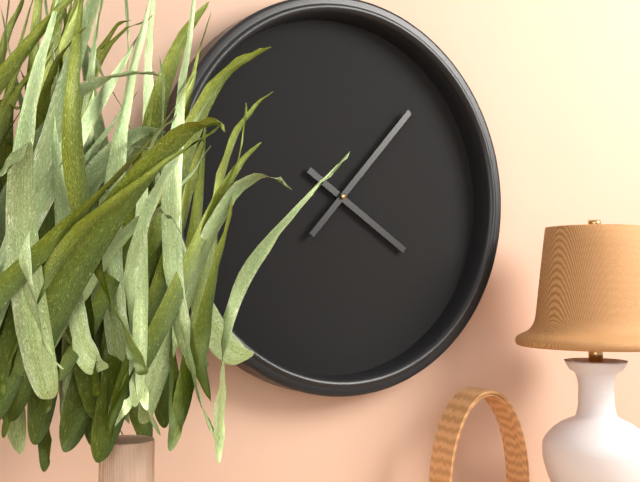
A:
4.07
